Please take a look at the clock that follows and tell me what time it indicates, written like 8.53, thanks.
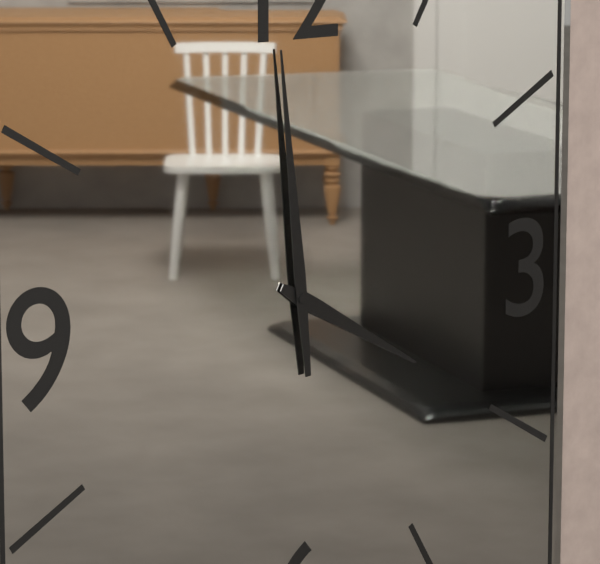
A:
3.59
